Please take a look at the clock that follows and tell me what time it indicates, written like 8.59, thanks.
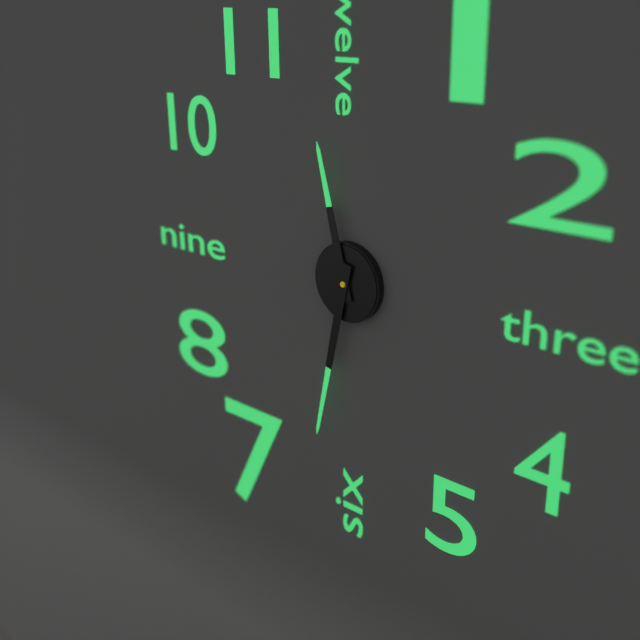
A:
11.32
